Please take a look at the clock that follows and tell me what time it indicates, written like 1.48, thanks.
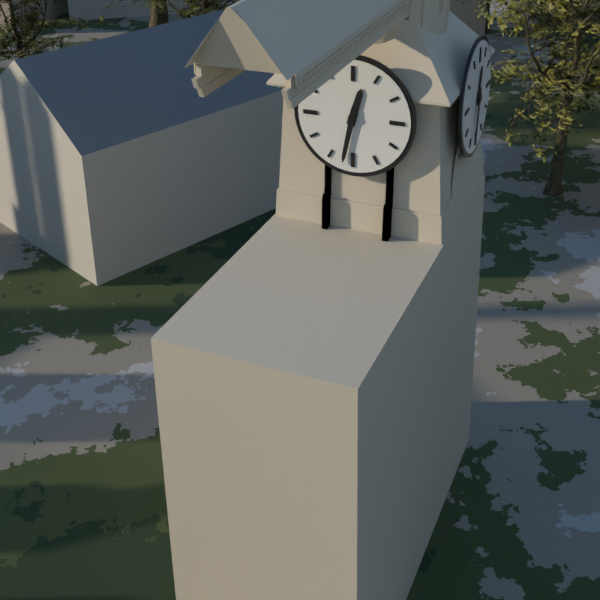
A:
12.32
